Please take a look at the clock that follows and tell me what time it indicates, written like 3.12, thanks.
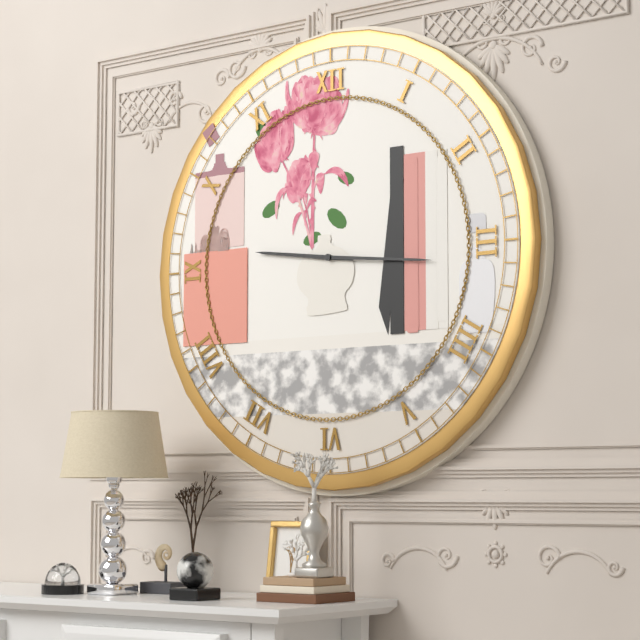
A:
9.16
